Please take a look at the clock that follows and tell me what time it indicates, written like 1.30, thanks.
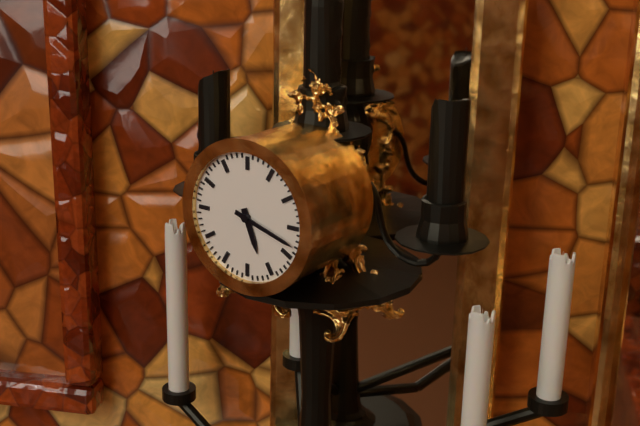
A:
5.18
